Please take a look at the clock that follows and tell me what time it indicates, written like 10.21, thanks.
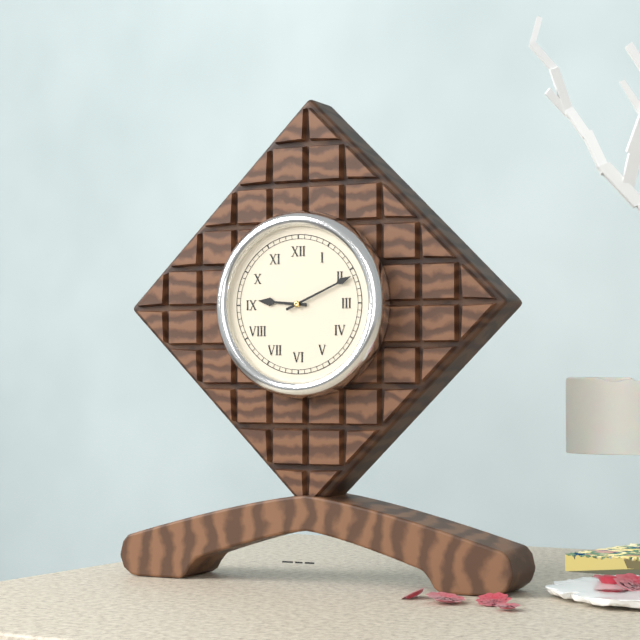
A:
9.11
